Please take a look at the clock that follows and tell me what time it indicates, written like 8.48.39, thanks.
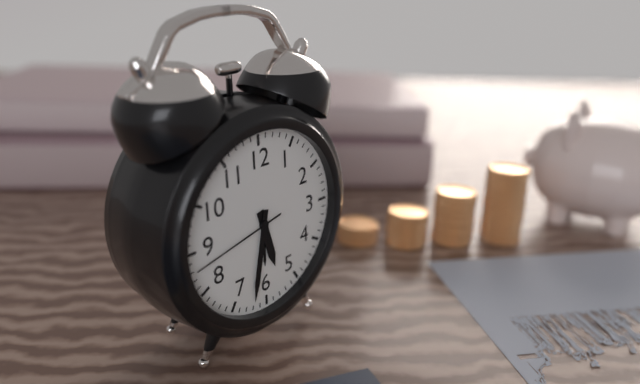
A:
5.32.43
